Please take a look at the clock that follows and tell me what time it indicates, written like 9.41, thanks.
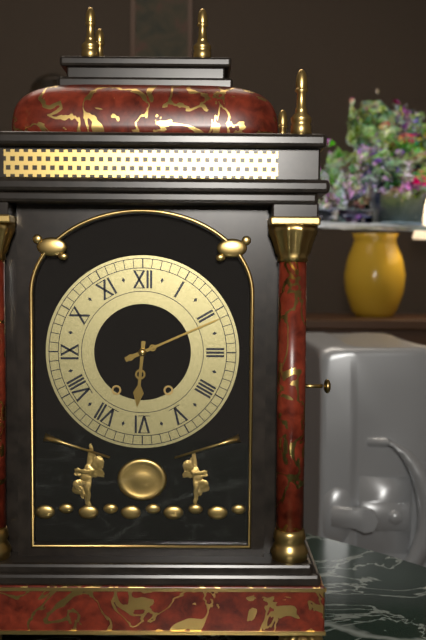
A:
6.11
